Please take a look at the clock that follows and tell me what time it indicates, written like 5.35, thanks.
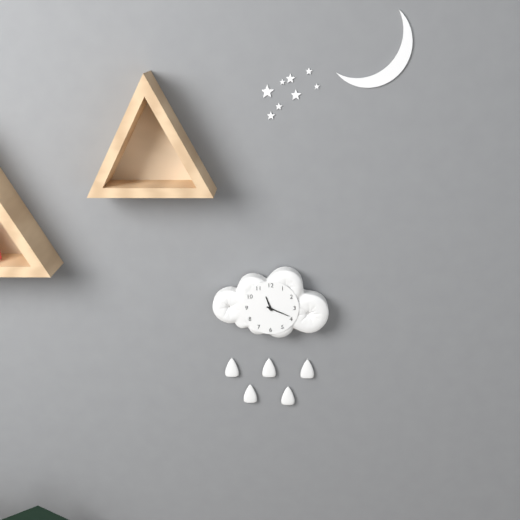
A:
11.19
